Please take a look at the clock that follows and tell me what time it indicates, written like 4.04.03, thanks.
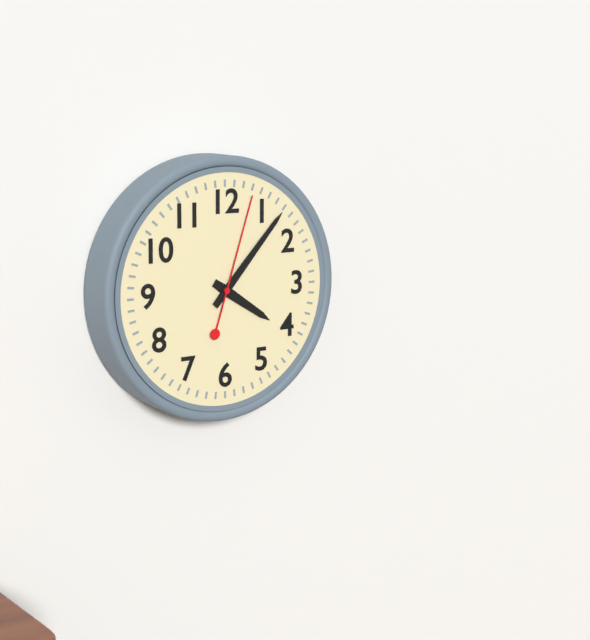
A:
4.07.03
